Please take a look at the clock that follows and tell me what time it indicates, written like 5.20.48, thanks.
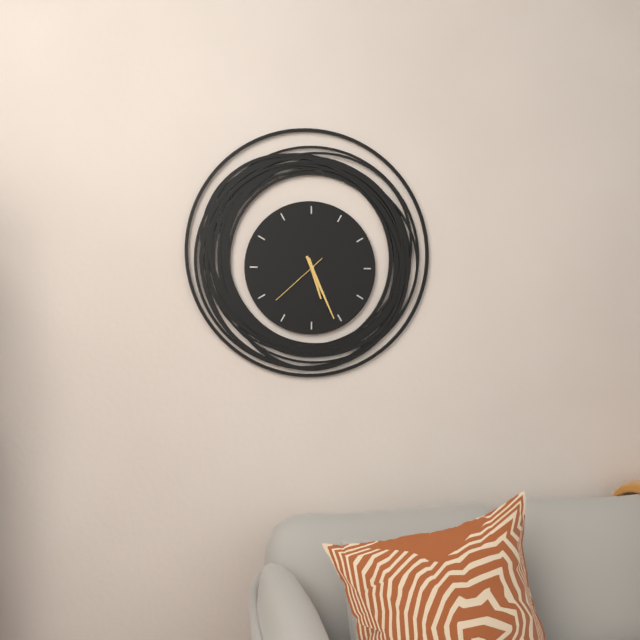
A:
5.26.38
